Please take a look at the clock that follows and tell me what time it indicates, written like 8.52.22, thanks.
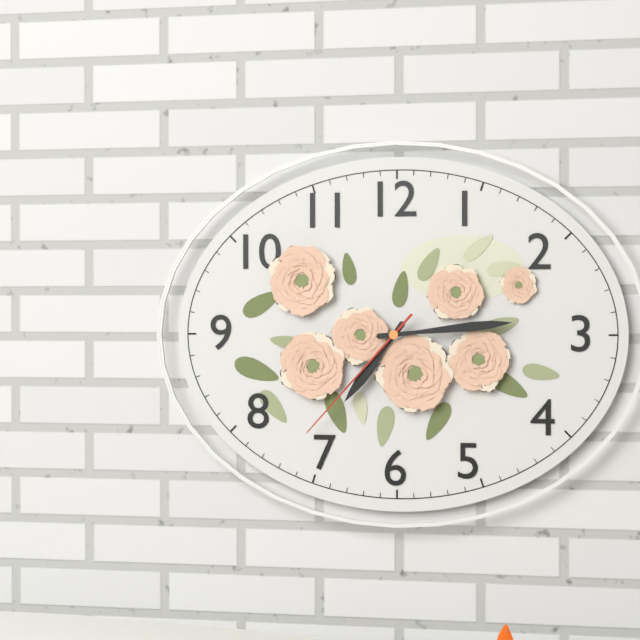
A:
7.14.37
